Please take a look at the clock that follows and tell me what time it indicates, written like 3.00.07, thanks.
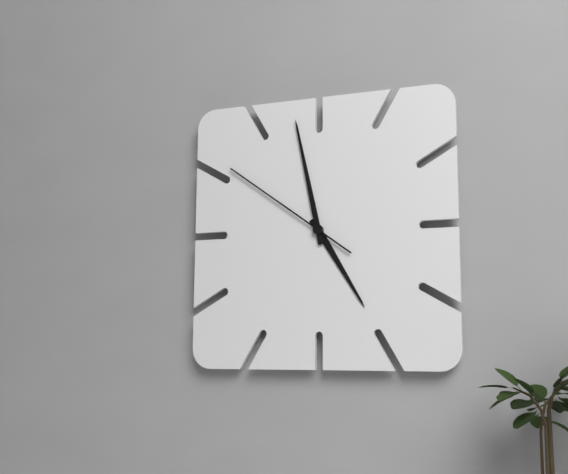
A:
4.58.51
